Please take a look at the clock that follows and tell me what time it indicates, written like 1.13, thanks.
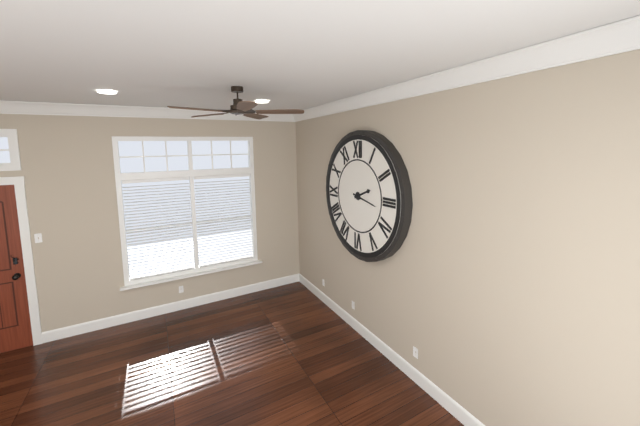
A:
2.17
